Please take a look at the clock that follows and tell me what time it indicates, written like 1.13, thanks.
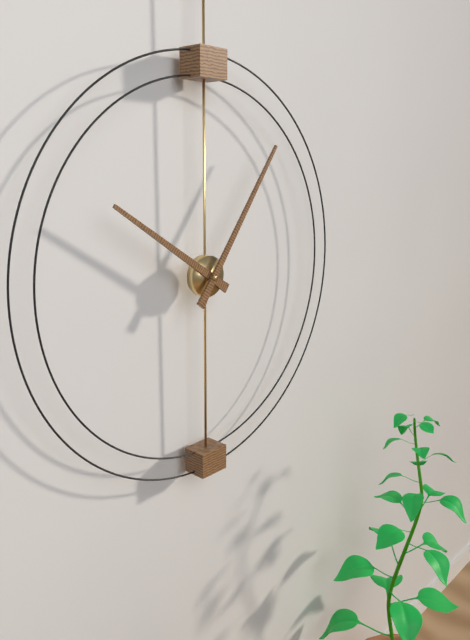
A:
10.06
